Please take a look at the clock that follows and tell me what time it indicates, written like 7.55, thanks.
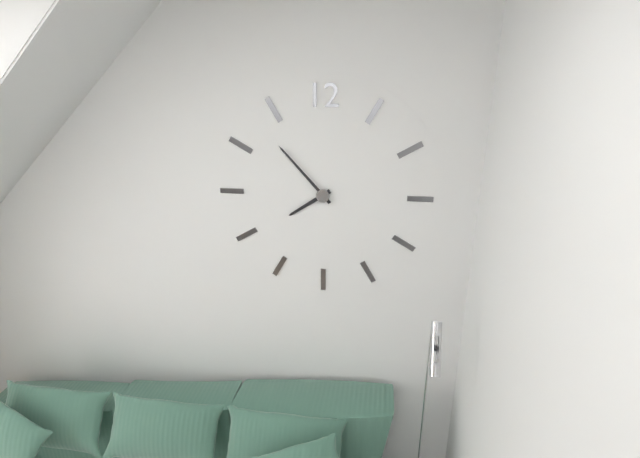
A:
7.53
